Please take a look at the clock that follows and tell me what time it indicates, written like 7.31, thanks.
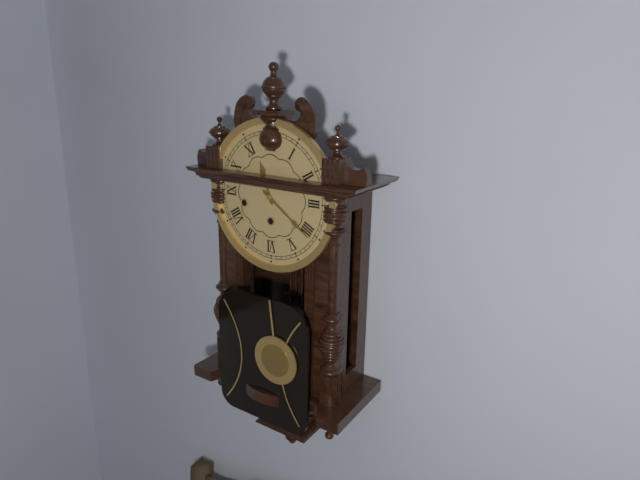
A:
11.21
